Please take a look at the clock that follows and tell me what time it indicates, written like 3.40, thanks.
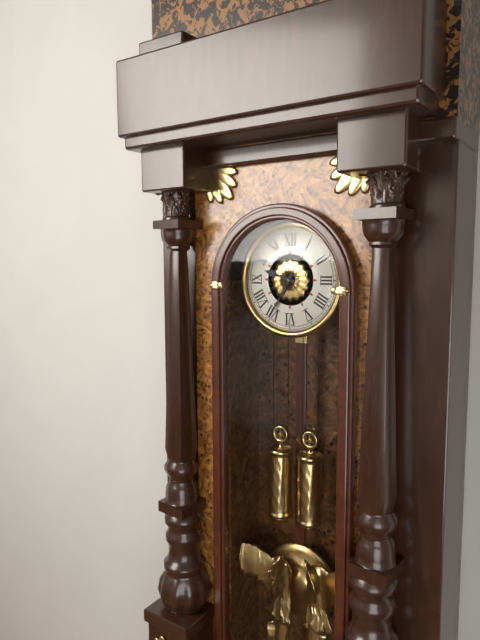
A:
9.35
